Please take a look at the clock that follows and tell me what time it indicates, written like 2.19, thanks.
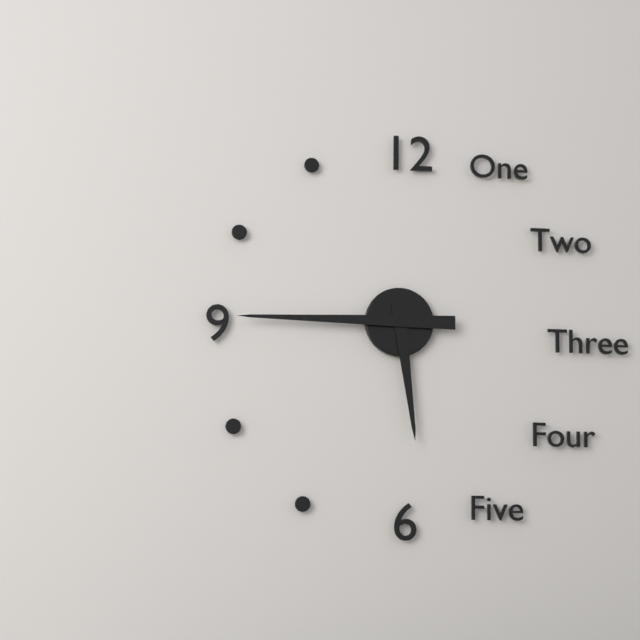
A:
5.45
